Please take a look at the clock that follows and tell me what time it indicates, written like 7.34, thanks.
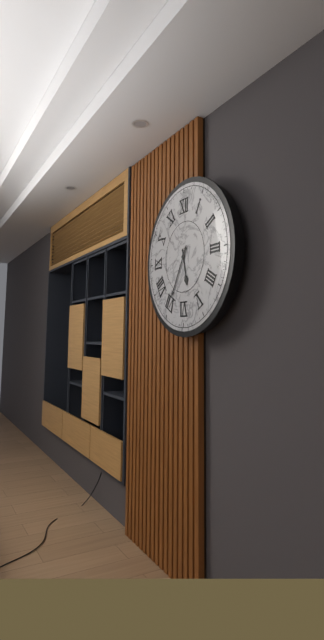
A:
5.35
